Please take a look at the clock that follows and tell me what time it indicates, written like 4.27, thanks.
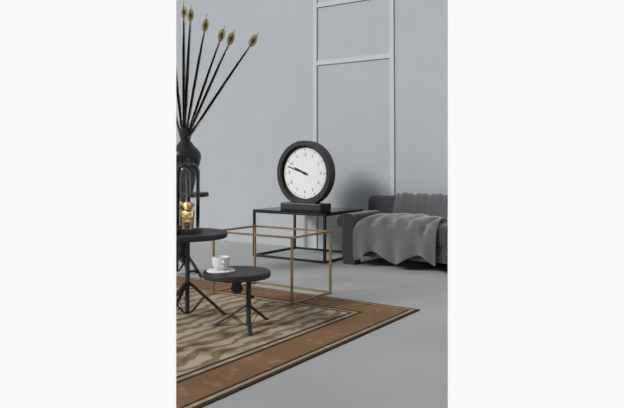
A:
9.48
